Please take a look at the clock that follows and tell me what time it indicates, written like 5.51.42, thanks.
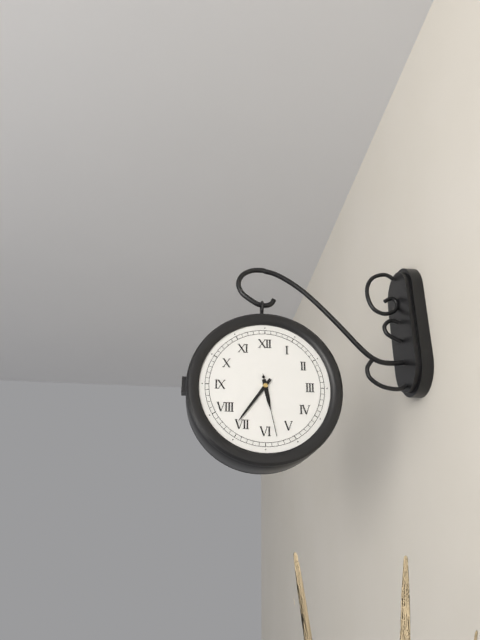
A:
5.36.28
